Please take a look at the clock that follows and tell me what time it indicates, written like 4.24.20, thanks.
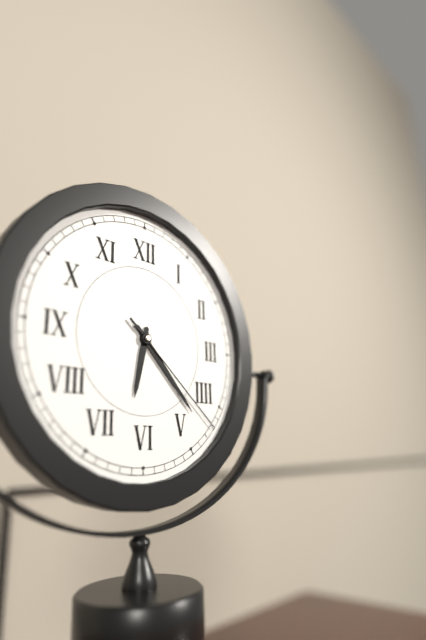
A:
6.23.22
